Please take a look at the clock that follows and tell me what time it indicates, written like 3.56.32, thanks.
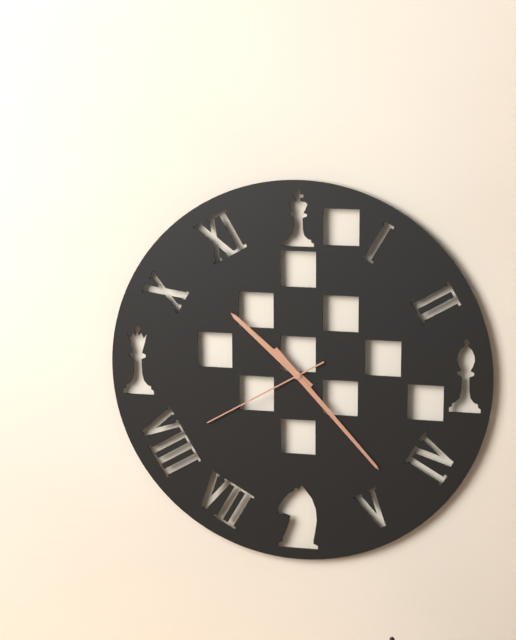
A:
10.23.40
